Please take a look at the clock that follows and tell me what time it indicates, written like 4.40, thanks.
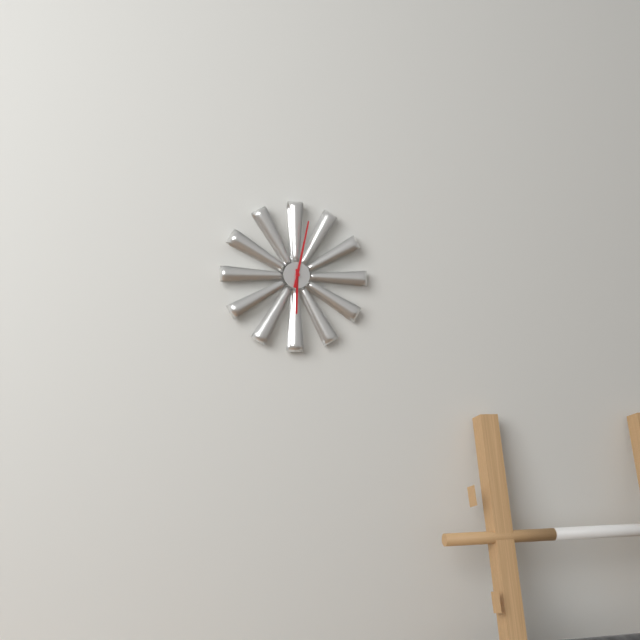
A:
6.02
